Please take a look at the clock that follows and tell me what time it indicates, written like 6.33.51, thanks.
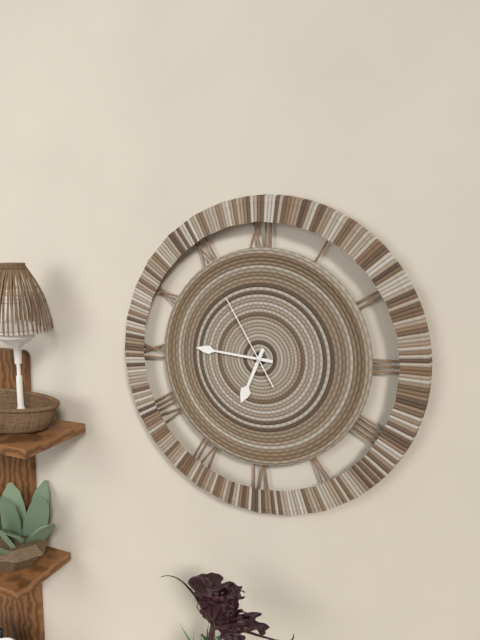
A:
6.46.55
